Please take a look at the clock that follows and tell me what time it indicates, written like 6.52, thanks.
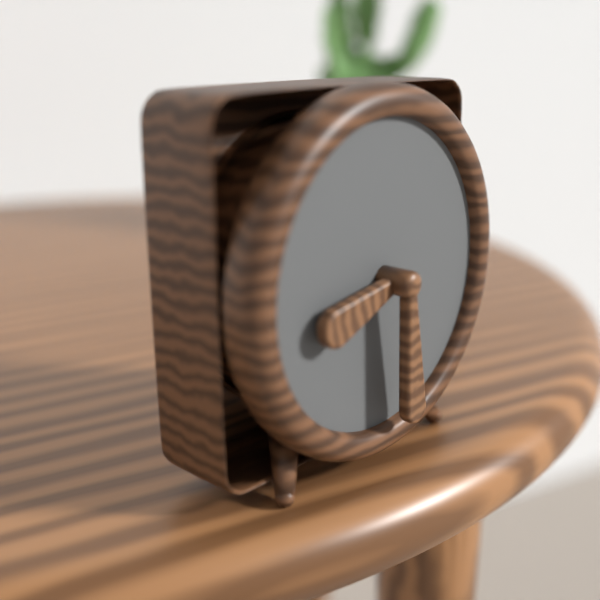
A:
8.29
